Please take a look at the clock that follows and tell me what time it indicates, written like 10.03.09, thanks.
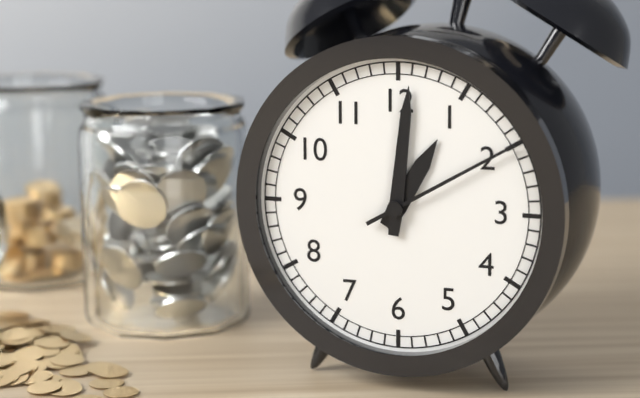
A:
1.01.10
